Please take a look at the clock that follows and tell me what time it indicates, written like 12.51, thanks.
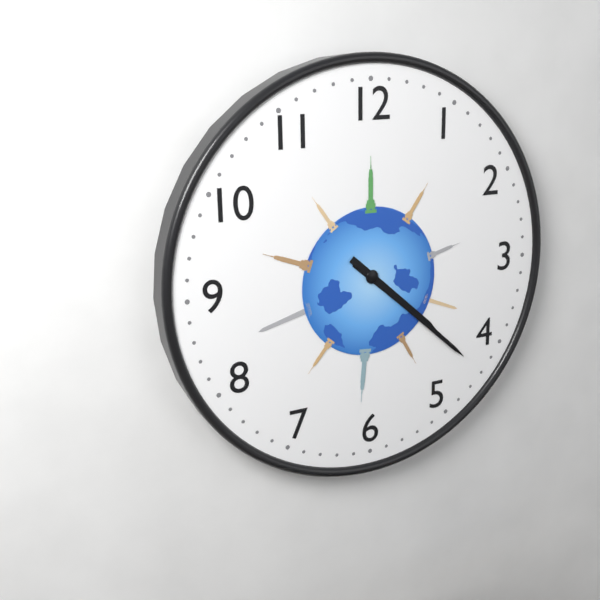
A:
4.22
